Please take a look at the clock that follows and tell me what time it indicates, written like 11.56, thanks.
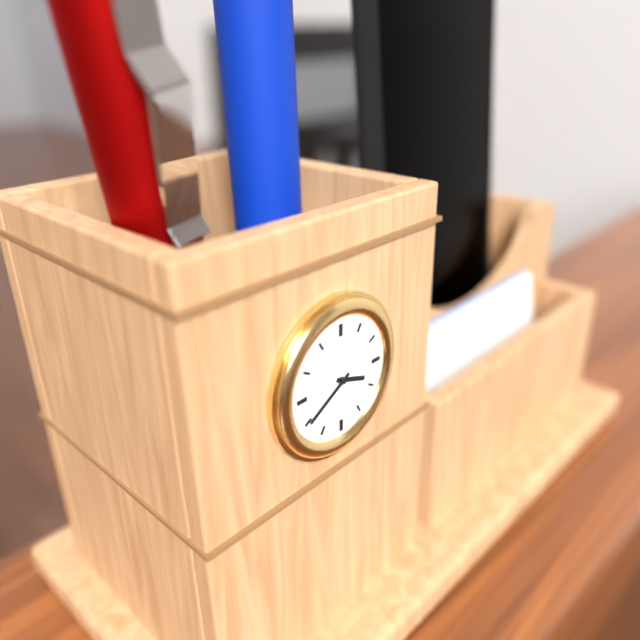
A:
3.40
